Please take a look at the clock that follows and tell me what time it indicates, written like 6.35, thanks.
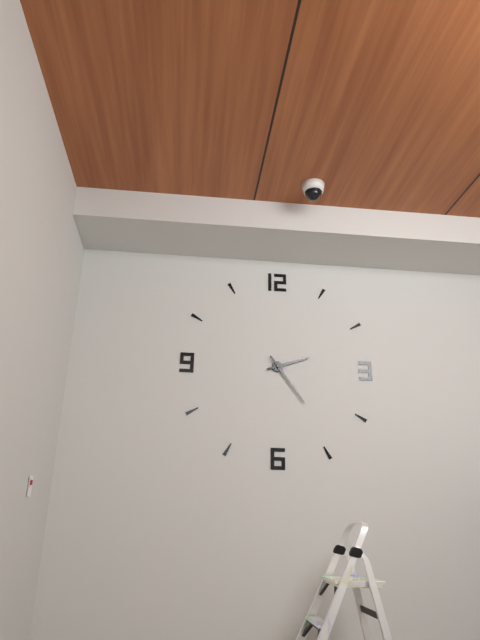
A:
2.24
